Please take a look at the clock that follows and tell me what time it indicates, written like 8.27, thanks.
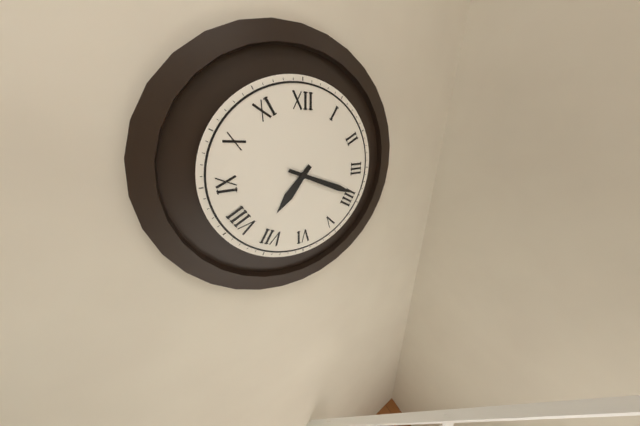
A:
7.19
